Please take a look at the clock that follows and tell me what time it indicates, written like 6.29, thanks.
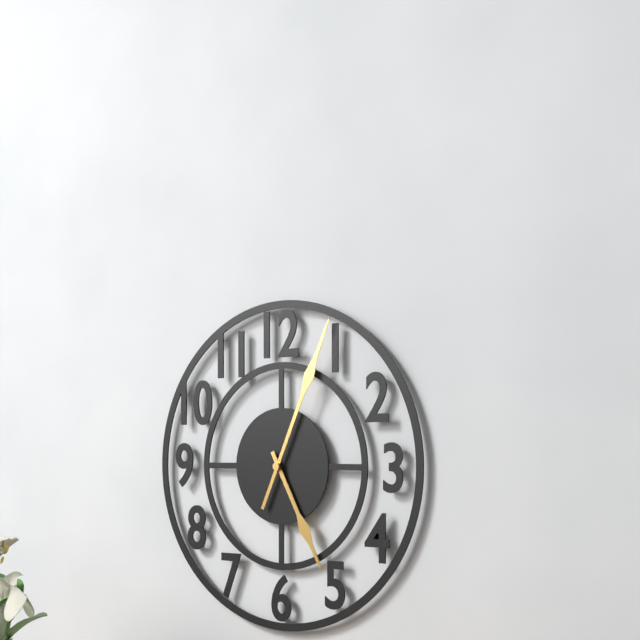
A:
5.04
